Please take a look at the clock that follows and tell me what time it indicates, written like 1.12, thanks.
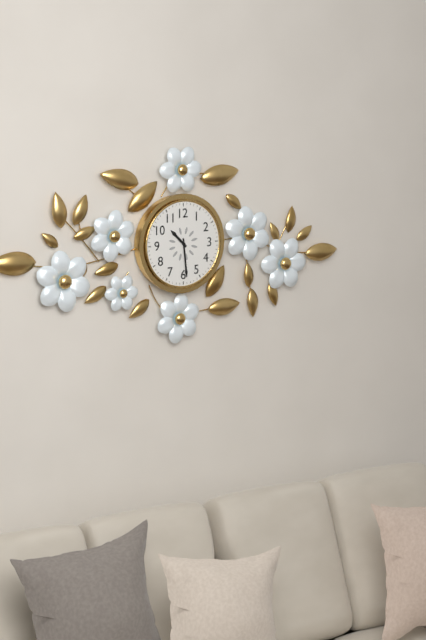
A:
10.29
